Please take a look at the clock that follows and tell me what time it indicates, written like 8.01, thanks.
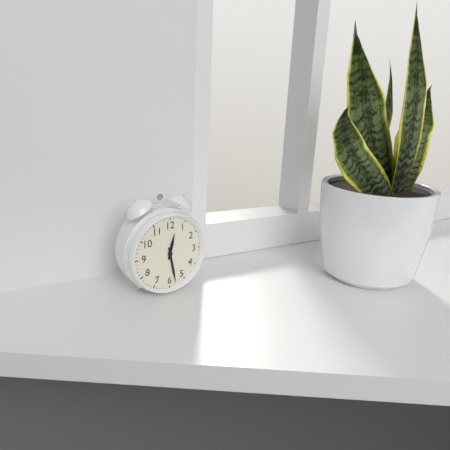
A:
12.28
